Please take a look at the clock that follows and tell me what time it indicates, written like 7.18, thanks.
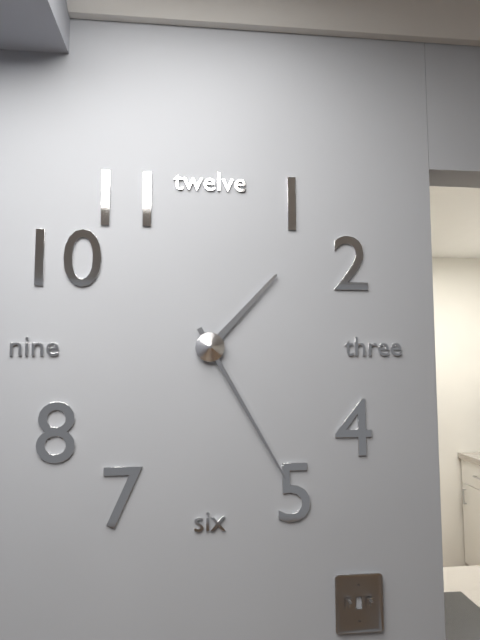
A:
1.25
